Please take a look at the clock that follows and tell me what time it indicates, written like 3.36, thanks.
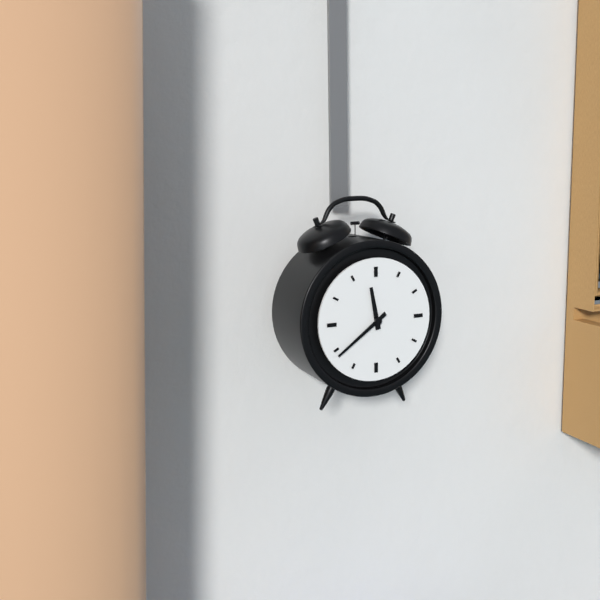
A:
11.39
